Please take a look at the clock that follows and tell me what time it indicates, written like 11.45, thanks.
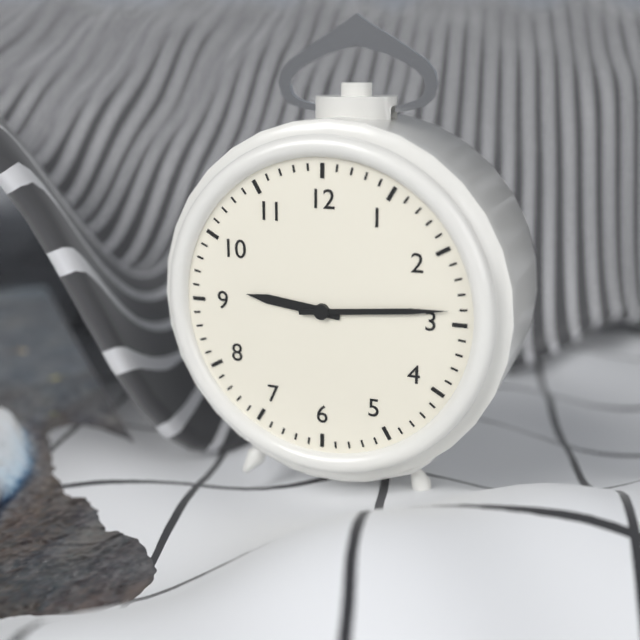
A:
9.14
